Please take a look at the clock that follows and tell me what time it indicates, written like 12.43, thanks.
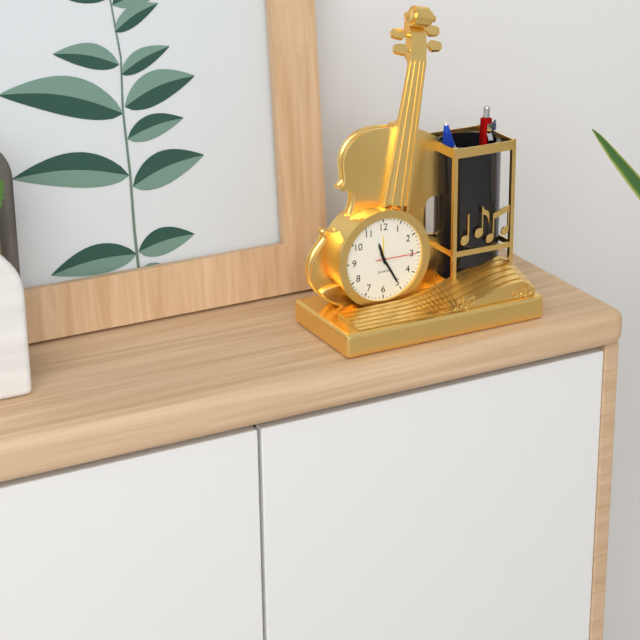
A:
11.25
